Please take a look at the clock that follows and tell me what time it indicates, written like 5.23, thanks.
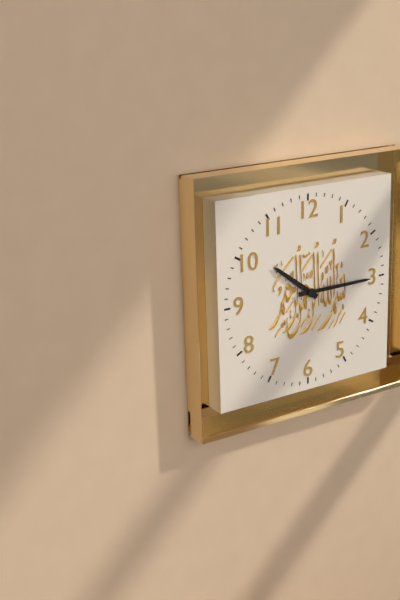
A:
10.15
